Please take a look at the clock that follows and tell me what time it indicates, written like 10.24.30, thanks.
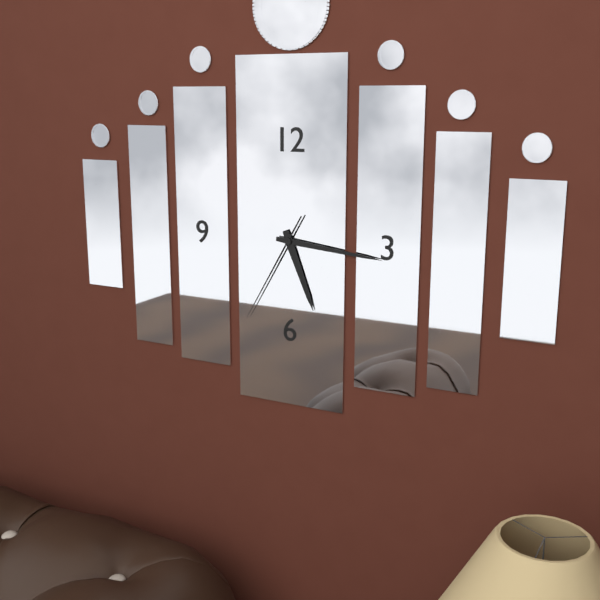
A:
5.16.35
